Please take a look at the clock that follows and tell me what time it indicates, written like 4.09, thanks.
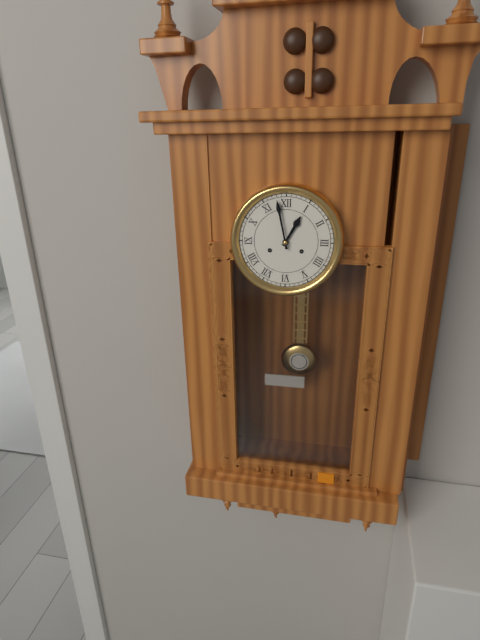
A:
12.58
